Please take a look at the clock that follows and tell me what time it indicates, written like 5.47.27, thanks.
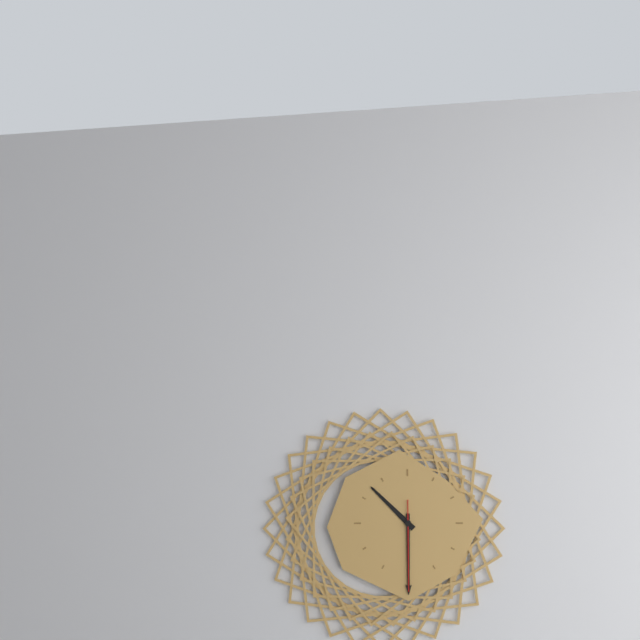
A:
10.30.30
